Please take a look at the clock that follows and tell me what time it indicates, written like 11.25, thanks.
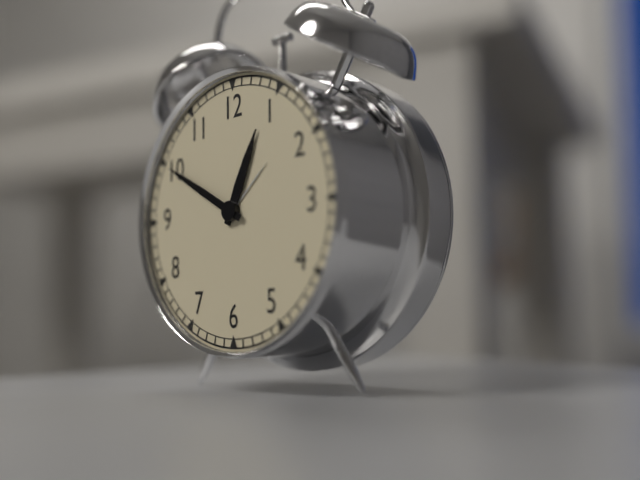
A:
12.50
